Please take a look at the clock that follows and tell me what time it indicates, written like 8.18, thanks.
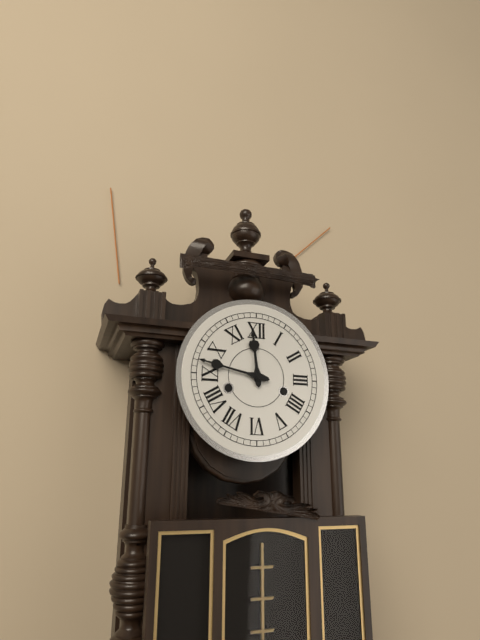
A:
11.47
